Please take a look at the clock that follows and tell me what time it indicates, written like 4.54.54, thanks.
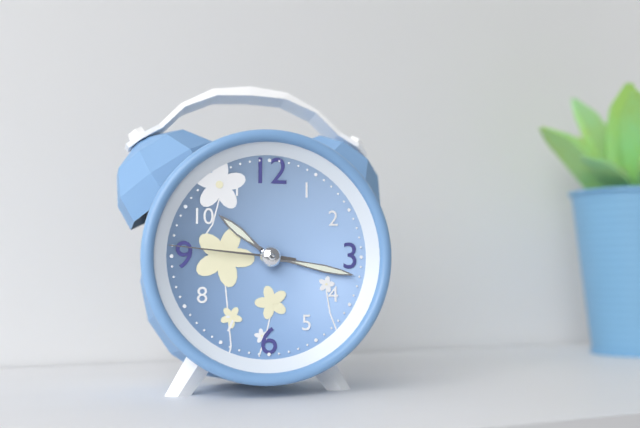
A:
10.17.46
